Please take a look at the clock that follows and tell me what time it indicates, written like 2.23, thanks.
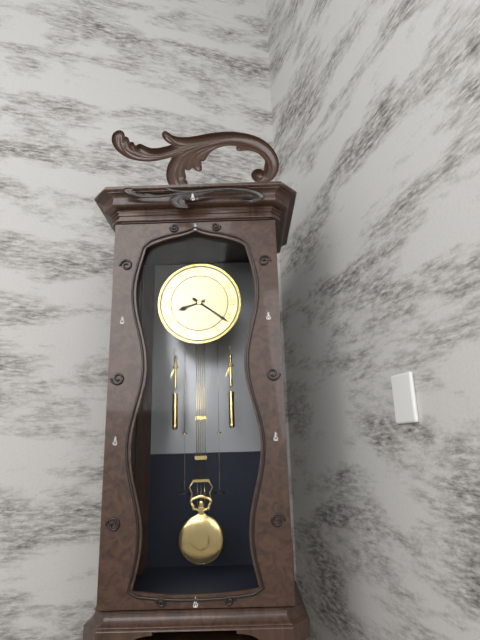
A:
8.21
